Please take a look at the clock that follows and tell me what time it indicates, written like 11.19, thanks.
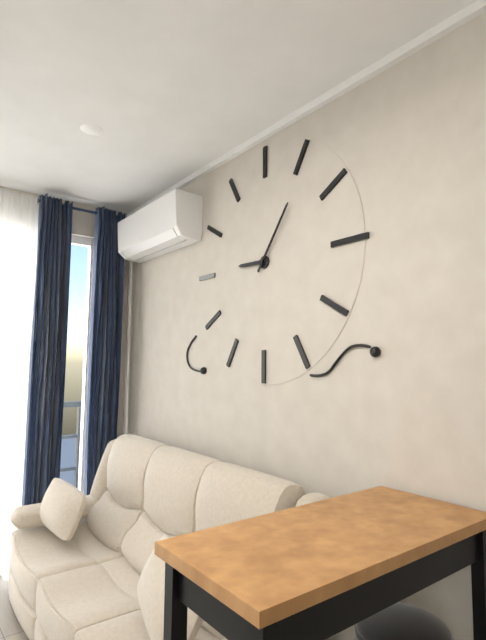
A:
9.06
